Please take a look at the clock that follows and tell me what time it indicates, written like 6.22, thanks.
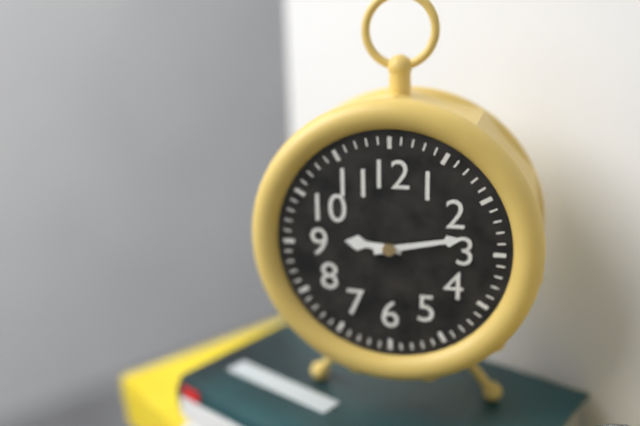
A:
9.13
